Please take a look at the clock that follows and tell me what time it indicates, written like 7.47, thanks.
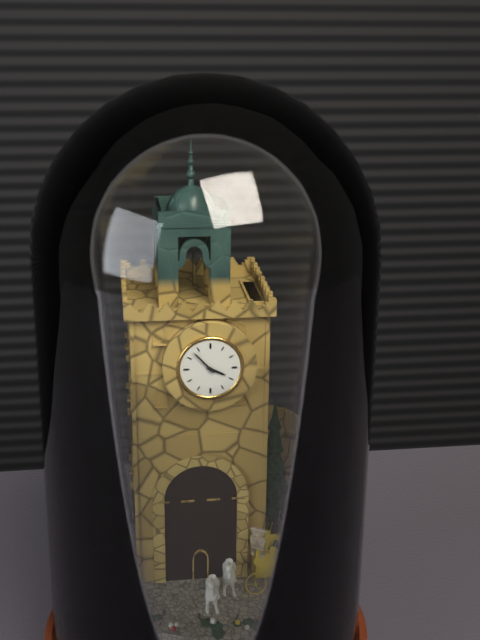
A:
3.53
